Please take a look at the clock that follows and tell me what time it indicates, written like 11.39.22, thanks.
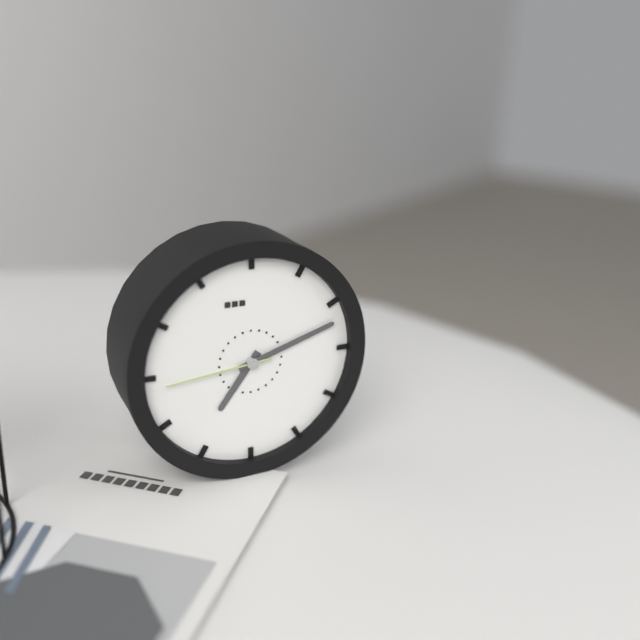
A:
7.12.44
